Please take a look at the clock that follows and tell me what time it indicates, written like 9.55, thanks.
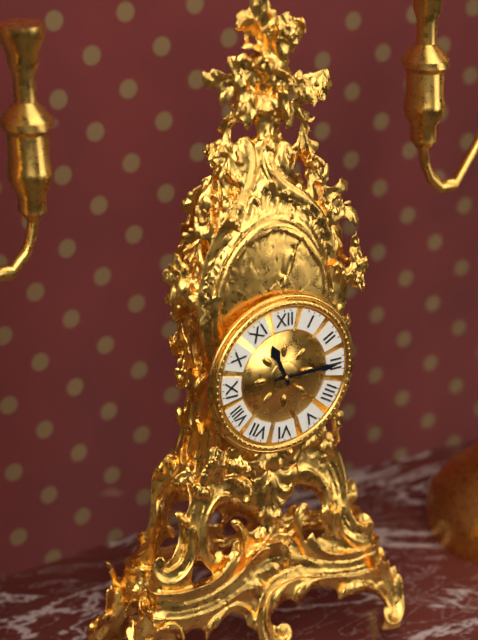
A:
11.15
